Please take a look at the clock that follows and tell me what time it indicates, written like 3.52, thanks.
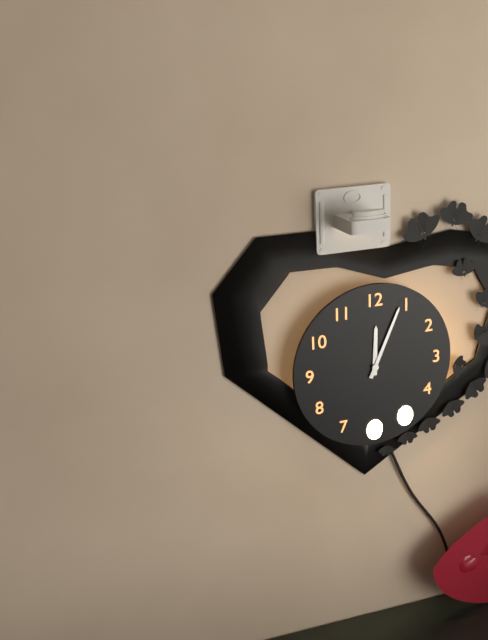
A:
12.04
